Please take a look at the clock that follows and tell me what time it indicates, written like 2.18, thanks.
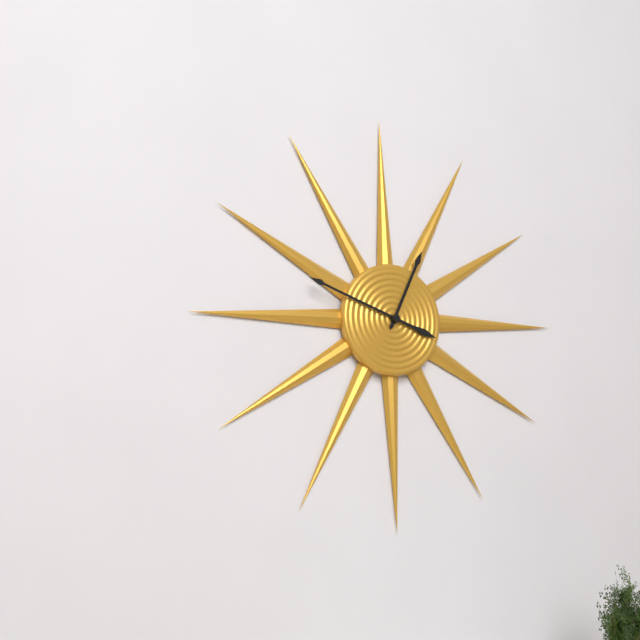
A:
12.48
